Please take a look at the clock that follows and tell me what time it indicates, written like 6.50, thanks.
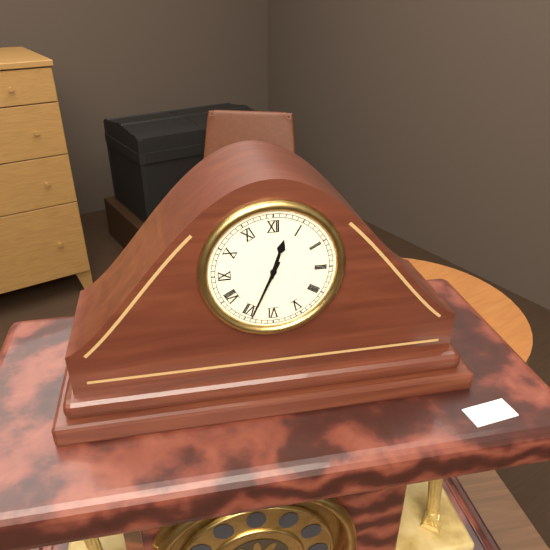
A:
12.34
